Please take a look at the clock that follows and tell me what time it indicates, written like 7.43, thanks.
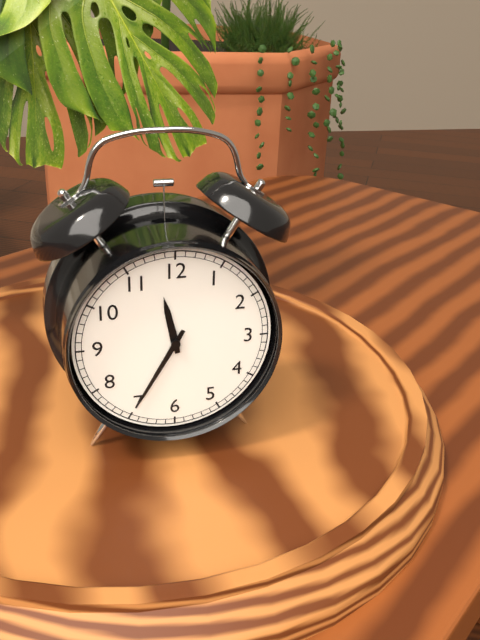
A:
11.35
